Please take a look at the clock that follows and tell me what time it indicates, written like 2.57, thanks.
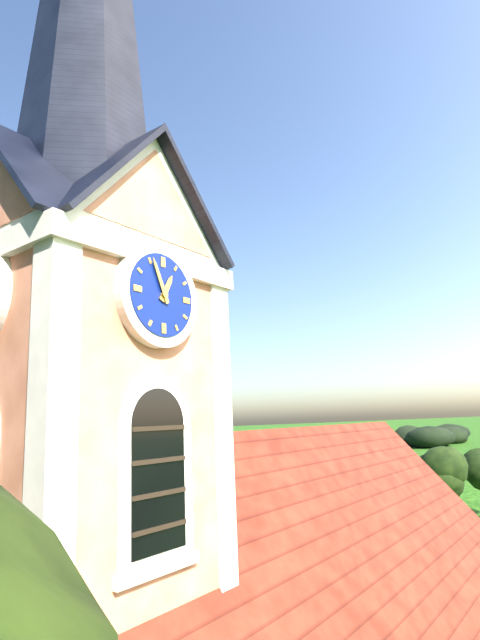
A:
12.56
